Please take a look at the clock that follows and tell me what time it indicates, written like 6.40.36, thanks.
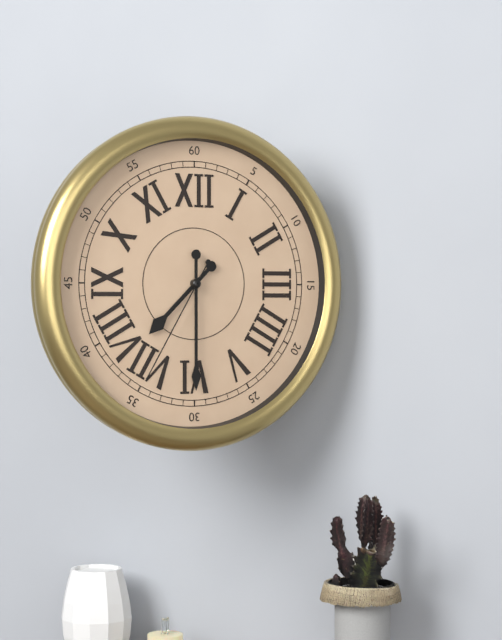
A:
7.30.35
